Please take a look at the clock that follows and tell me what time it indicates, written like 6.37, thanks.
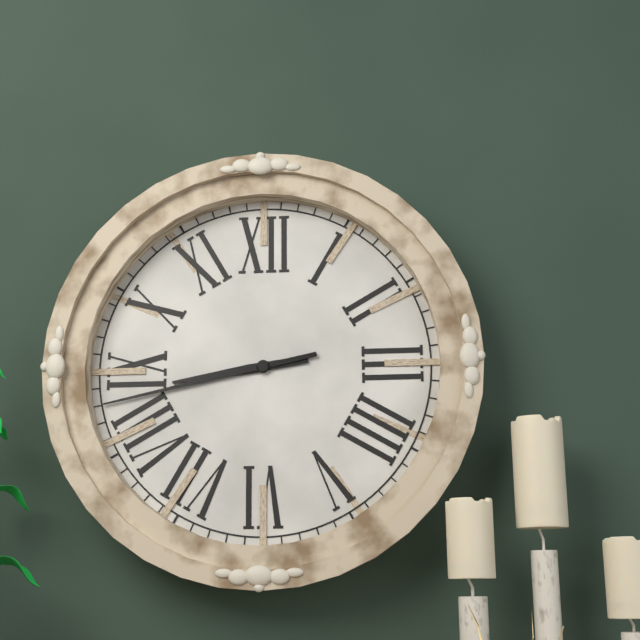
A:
8.43
